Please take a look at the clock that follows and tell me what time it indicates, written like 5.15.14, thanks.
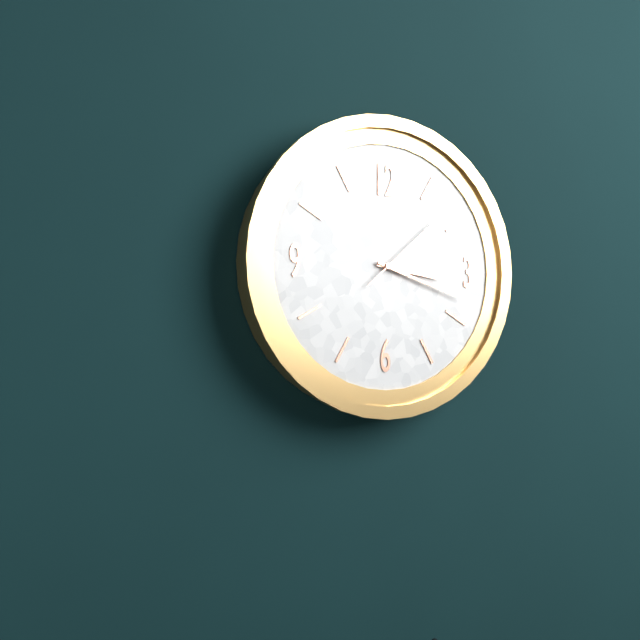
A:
3.18.08
